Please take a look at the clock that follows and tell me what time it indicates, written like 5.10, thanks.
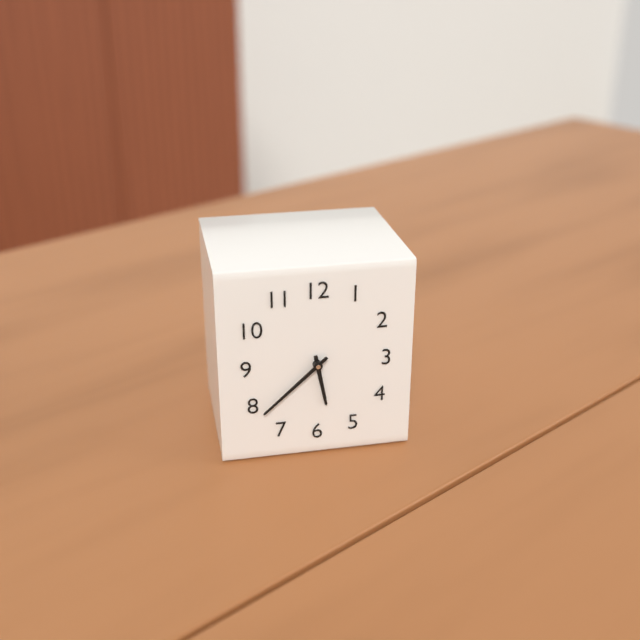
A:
5.38
